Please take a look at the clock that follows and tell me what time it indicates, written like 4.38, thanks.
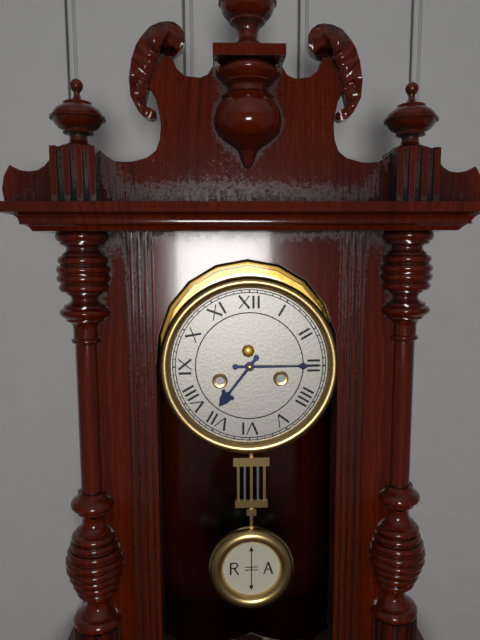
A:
7.15
